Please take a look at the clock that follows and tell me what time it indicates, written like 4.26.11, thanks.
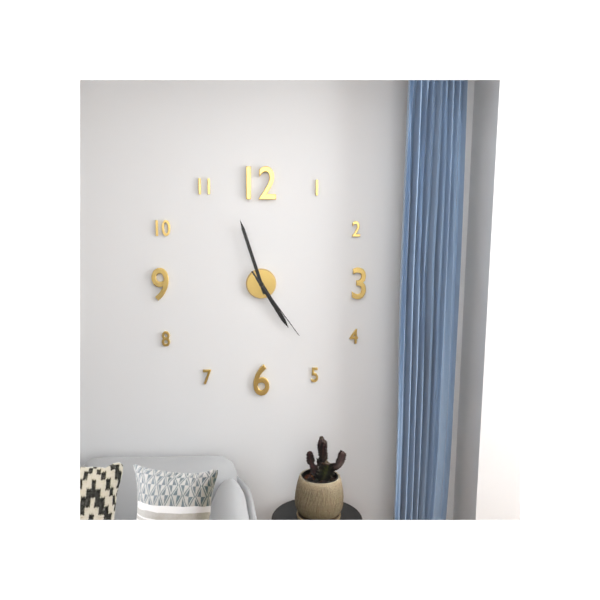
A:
4.57.24
